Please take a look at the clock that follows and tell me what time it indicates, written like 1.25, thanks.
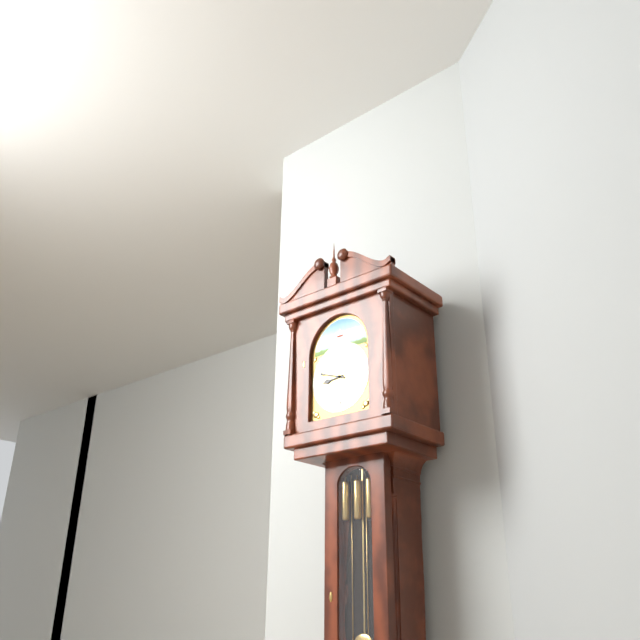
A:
8.48
